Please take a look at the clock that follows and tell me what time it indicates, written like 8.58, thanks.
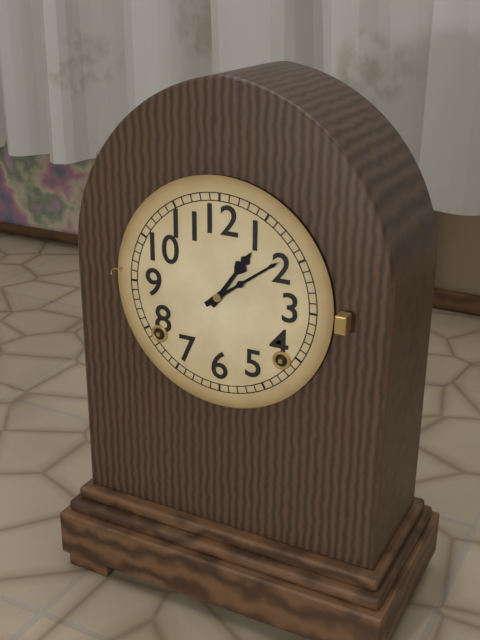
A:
1.09
